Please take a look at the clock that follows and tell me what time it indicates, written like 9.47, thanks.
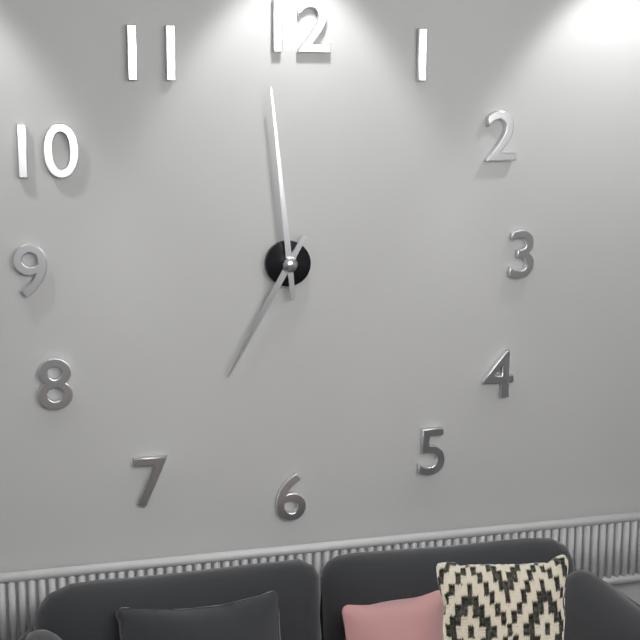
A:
6.59
